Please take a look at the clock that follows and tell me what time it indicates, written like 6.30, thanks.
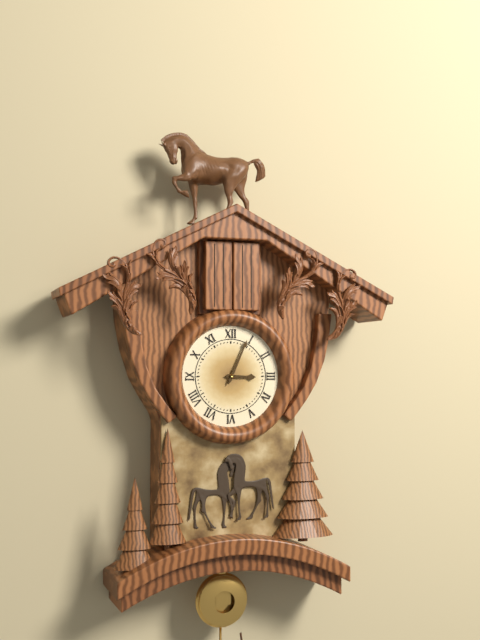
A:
3.04
